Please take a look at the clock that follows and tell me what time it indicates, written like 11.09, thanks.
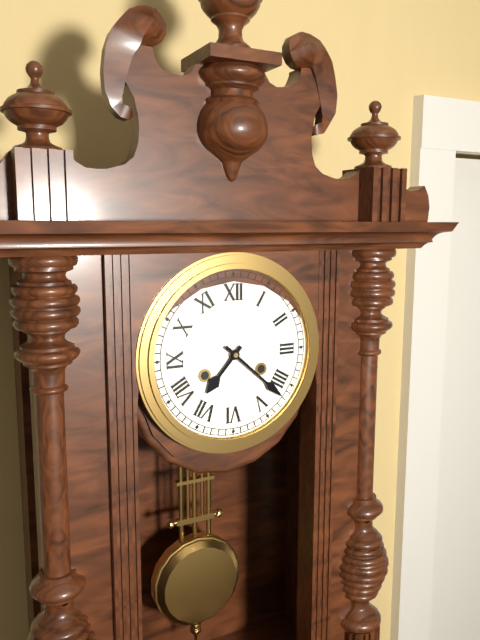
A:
7.22
